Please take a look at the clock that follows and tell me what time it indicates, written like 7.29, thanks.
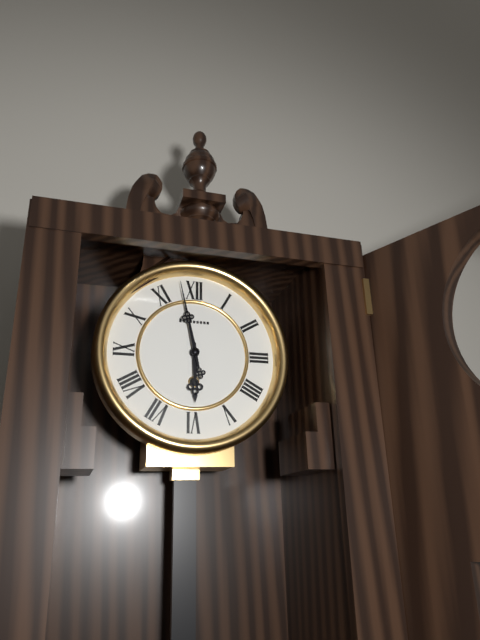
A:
5.58
